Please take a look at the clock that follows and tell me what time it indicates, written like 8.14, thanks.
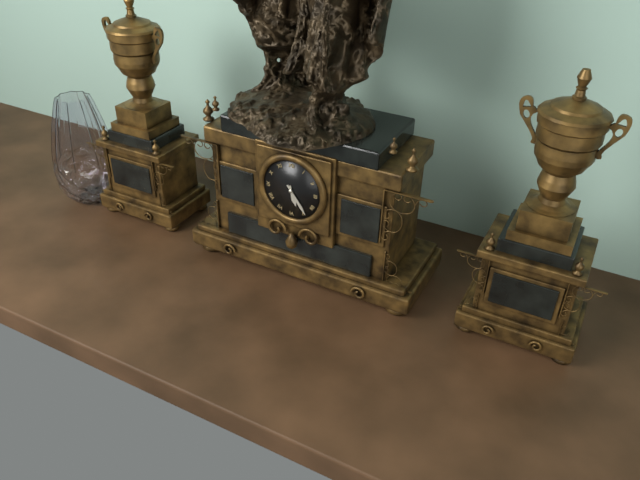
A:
5.24
